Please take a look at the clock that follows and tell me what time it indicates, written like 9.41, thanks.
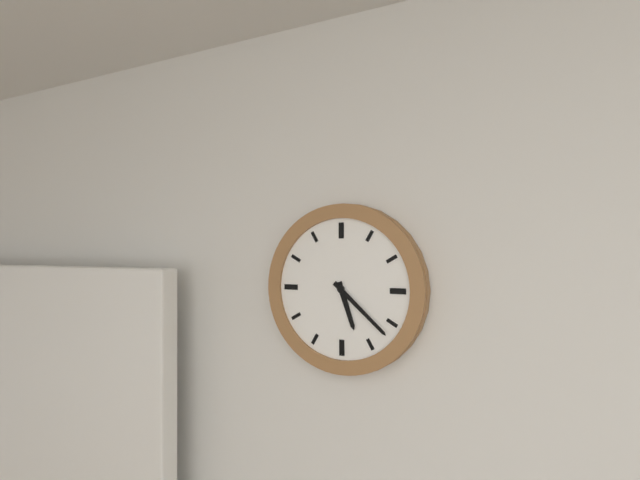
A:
5.22
